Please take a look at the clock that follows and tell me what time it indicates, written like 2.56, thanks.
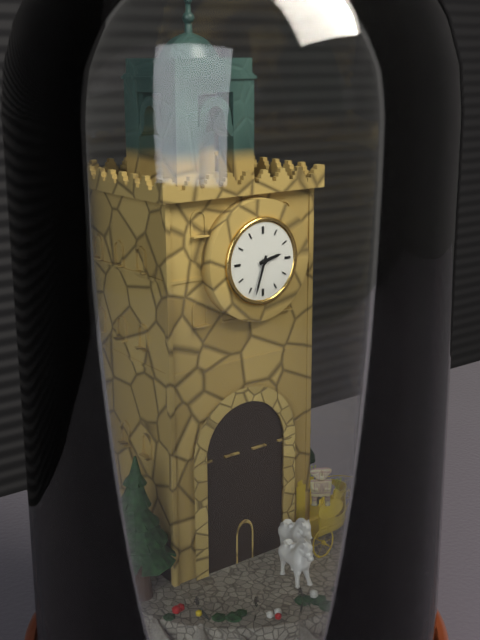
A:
2.33
